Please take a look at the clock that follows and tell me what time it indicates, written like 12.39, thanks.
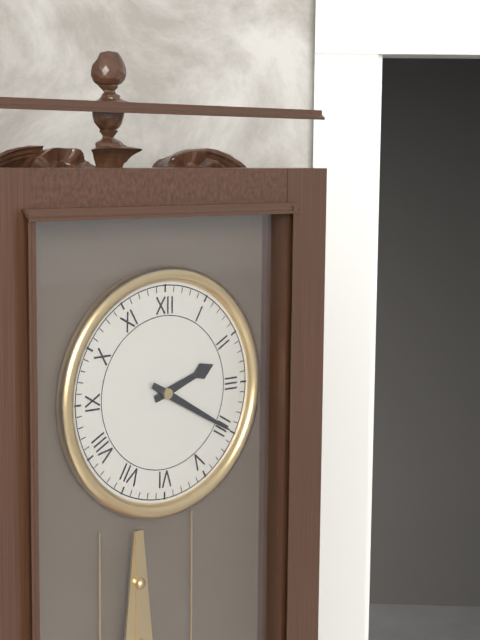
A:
2.20
